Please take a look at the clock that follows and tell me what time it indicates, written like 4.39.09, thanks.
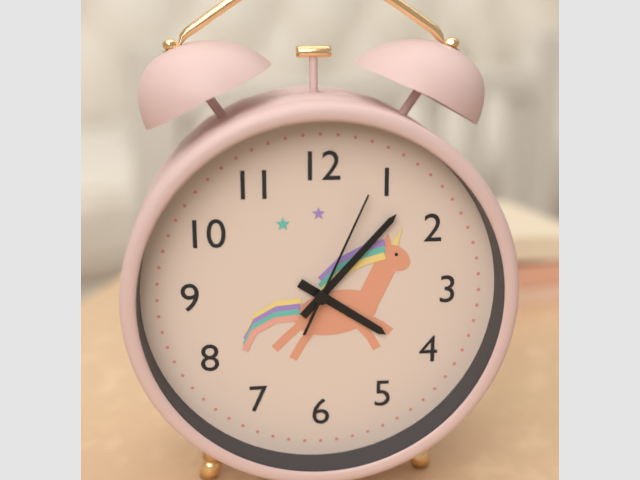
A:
4.07.04
